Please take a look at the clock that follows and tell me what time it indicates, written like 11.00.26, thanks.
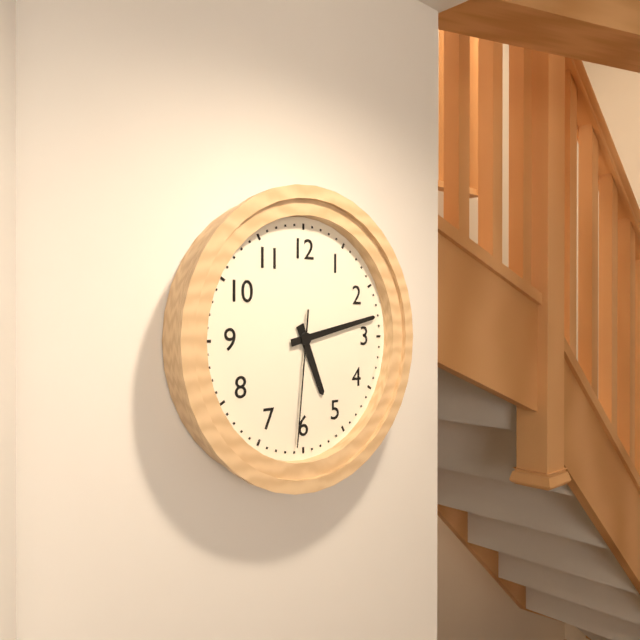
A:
5.13.31
